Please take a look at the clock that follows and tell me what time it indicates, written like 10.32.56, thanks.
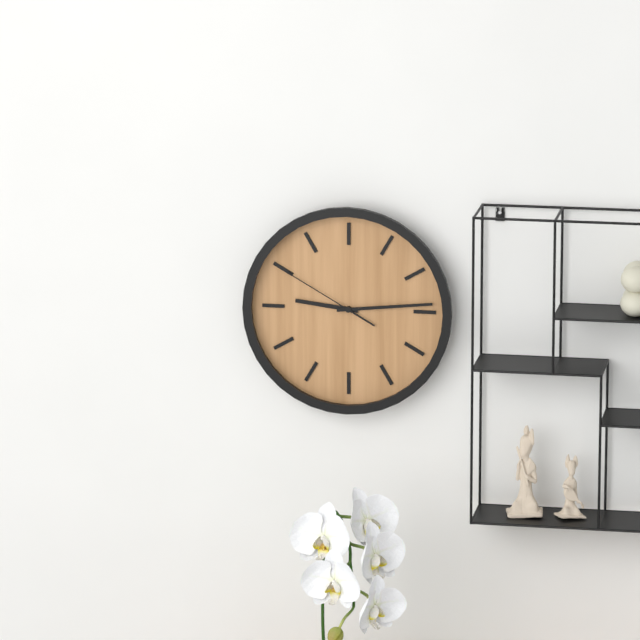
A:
9.14.50
